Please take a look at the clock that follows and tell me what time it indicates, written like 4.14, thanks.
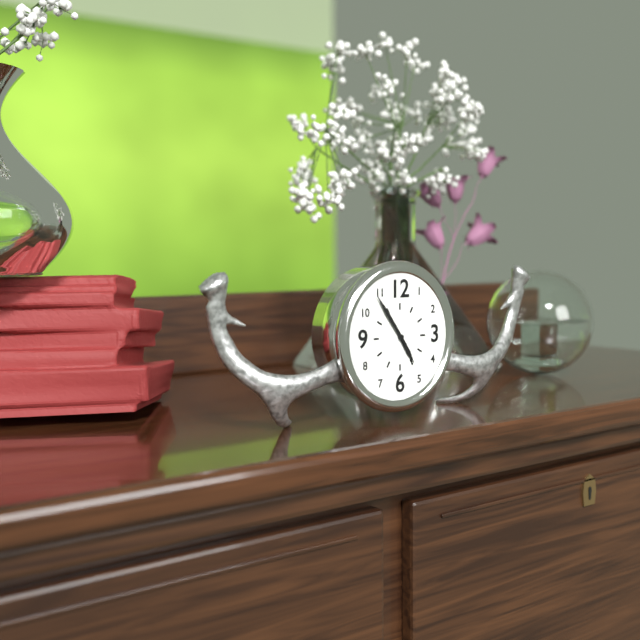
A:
4.54
